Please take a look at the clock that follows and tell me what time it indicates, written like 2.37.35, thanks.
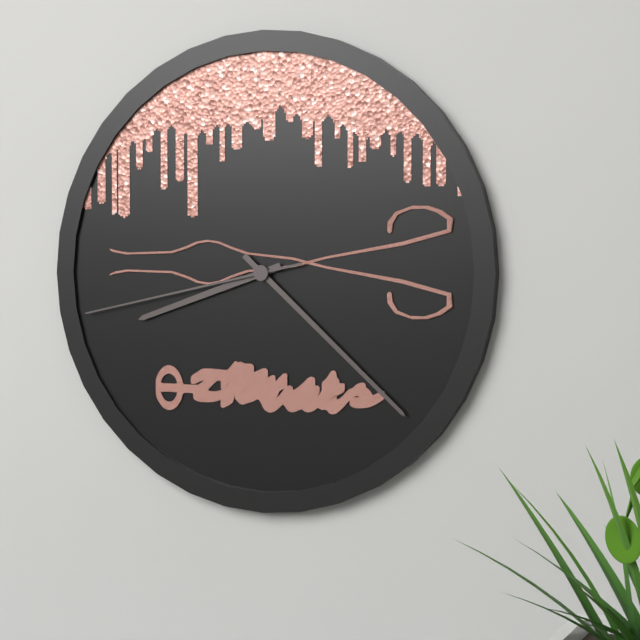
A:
8.22.43
